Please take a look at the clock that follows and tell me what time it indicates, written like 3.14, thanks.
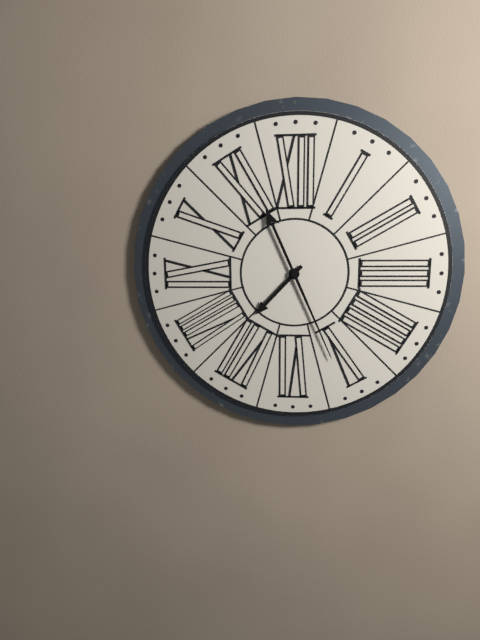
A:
7.26
